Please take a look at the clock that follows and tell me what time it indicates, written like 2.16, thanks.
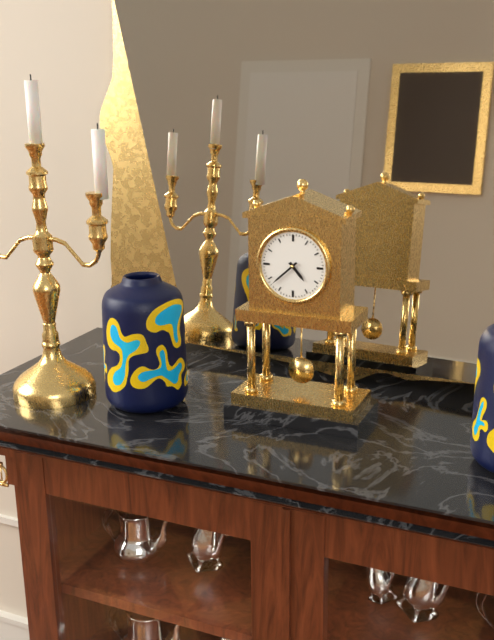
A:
4.38
